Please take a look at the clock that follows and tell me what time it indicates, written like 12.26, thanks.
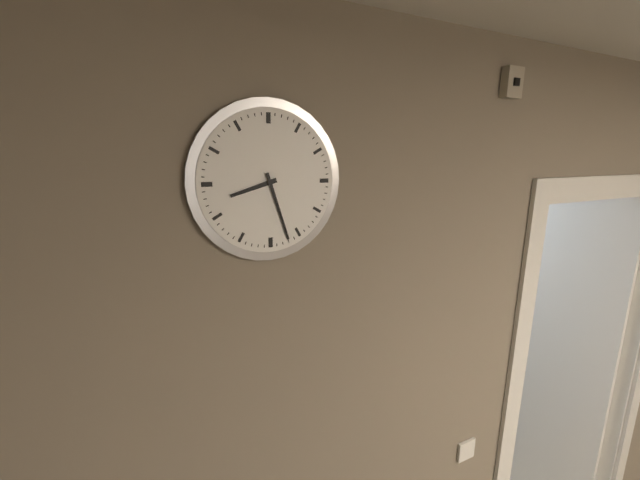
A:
8.27
